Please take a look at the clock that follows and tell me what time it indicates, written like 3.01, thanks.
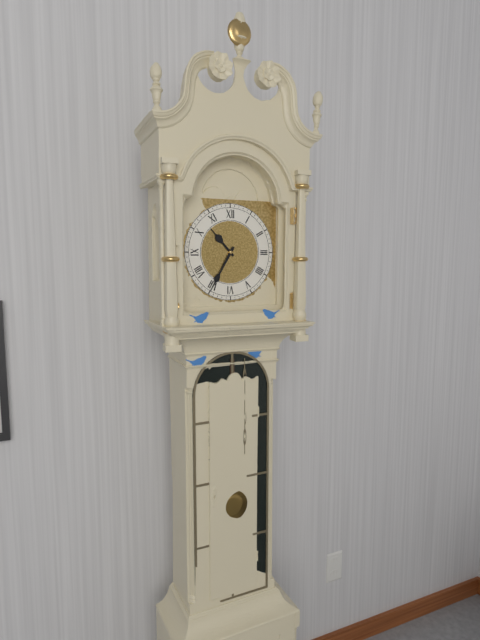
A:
10.35
